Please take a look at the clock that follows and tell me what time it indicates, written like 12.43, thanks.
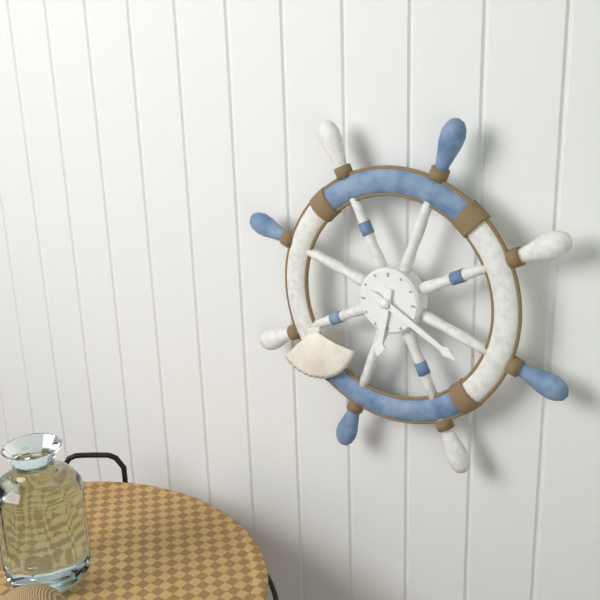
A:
6.20
